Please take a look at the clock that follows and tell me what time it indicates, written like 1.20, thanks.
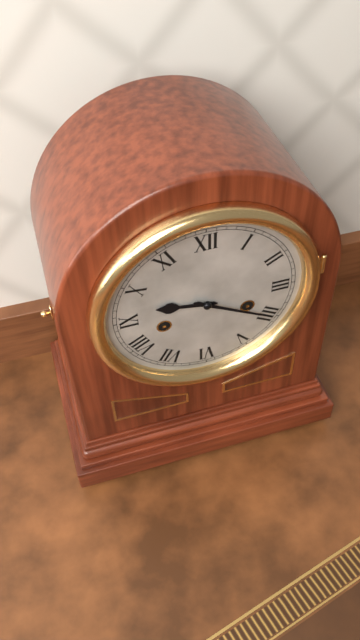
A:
9.20
